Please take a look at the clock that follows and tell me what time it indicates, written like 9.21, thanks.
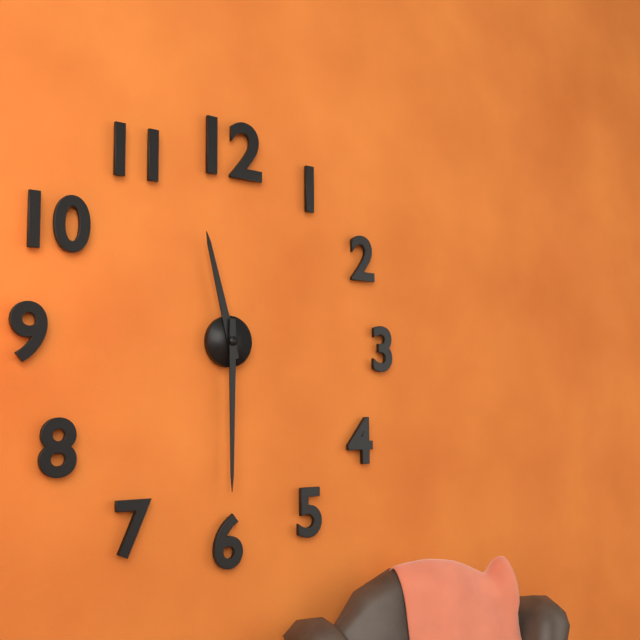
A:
11.30
